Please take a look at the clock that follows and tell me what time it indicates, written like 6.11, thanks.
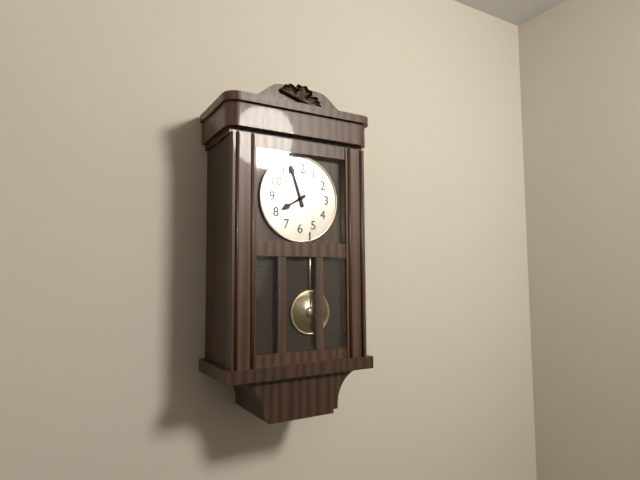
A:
7.57
